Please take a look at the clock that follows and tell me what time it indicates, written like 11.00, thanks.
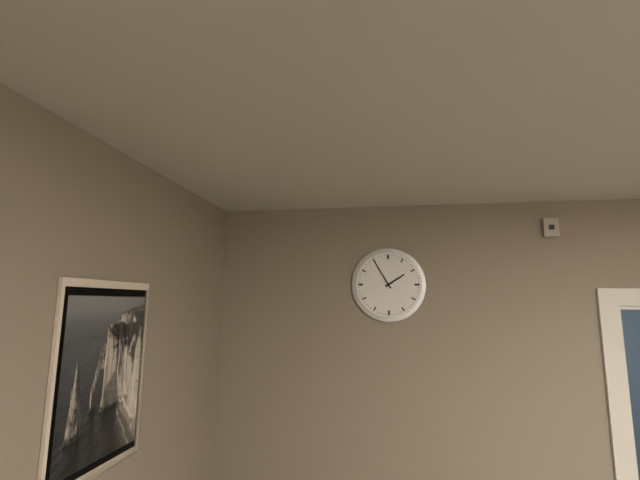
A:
1.55
